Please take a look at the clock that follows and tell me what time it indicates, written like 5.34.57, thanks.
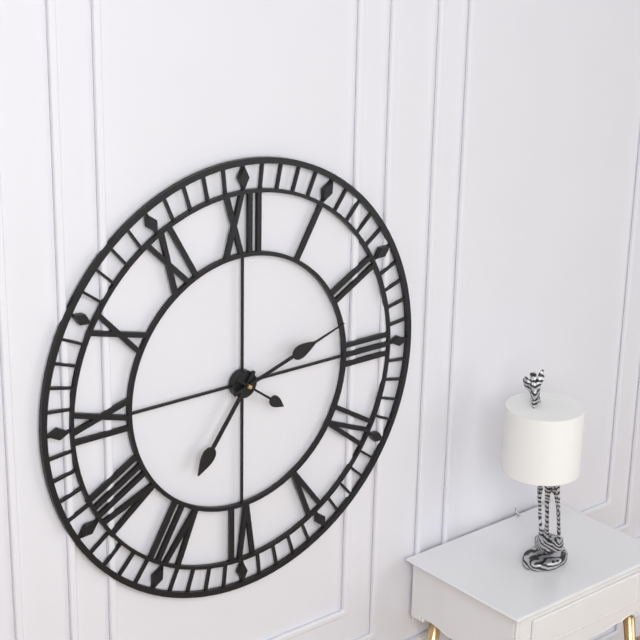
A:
7.12.21
